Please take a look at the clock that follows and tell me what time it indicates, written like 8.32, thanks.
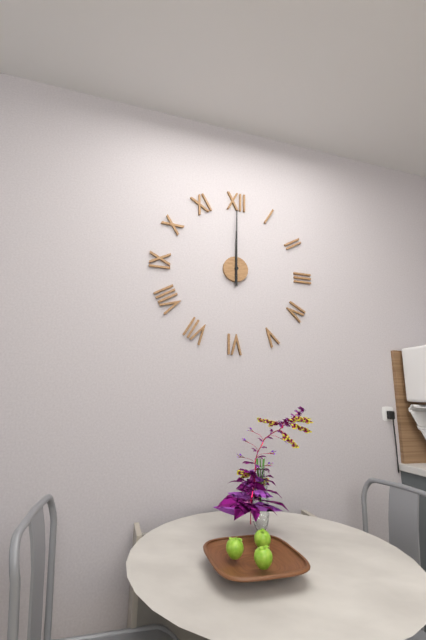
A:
12.00
